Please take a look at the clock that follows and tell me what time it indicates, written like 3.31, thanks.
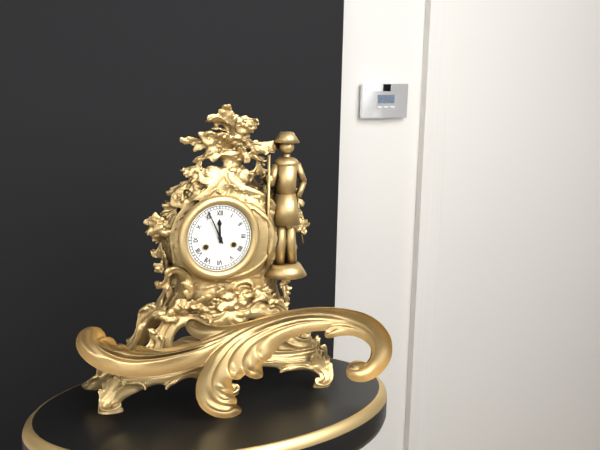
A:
11.56
